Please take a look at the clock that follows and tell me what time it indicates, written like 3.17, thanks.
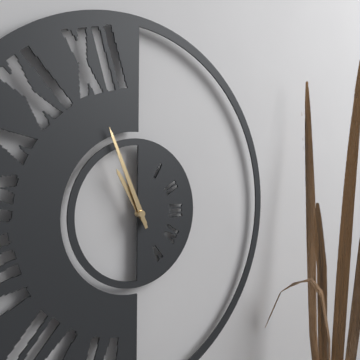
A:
10.56
